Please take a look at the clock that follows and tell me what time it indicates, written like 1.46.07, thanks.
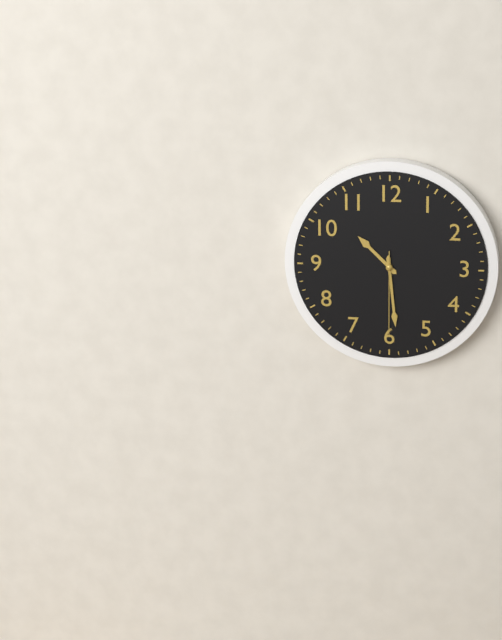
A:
10.29.30
